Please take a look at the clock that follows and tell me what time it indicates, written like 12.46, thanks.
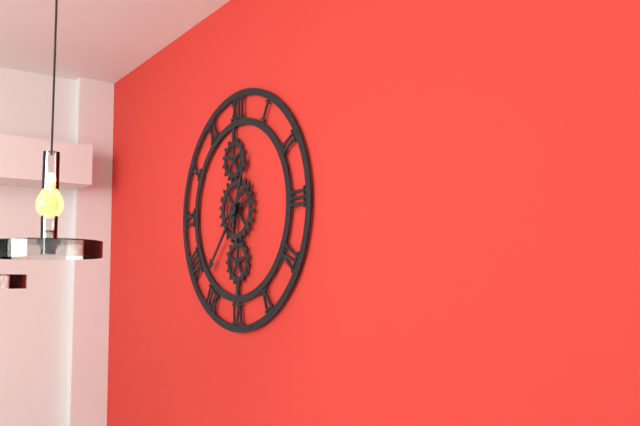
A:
12.37
